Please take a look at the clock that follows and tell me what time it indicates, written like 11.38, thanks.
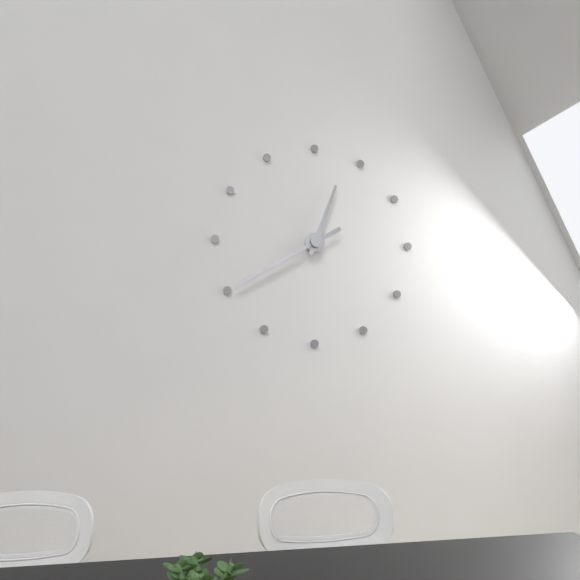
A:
12.40
